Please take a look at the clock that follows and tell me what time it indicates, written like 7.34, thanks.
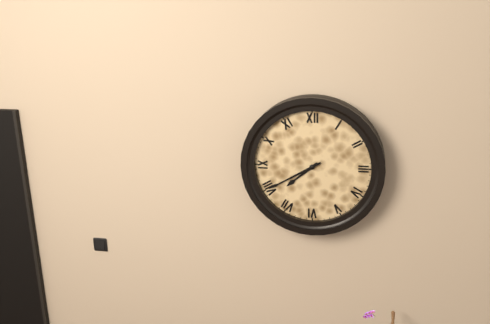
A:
7.40
